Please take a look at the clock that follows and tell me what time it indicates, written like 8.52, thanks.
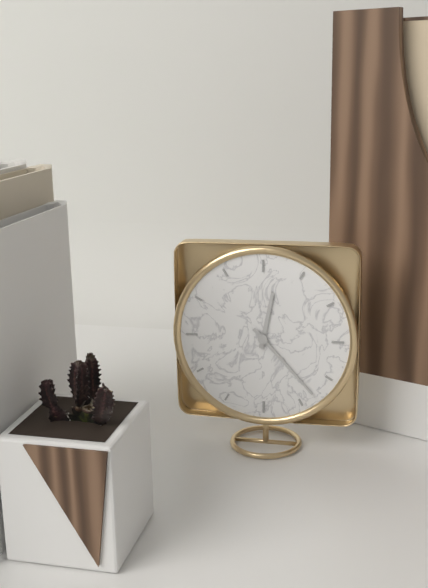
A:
12.23
